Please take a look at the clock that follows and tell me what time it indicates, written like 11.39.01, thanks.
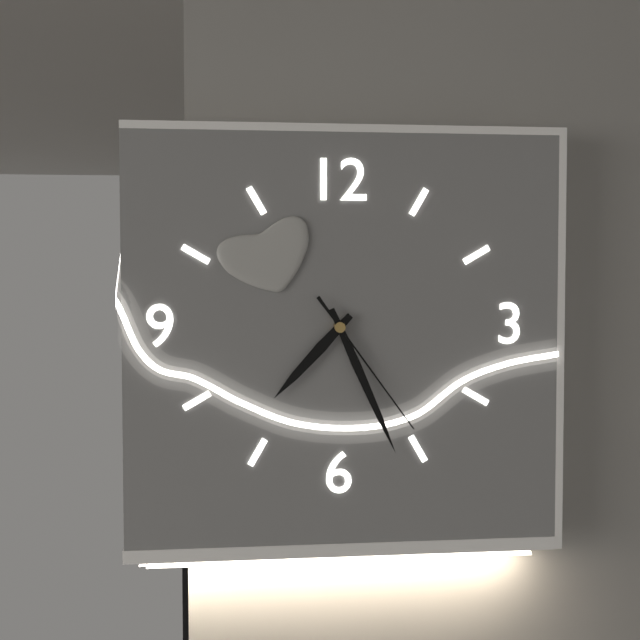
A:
7.26.24
